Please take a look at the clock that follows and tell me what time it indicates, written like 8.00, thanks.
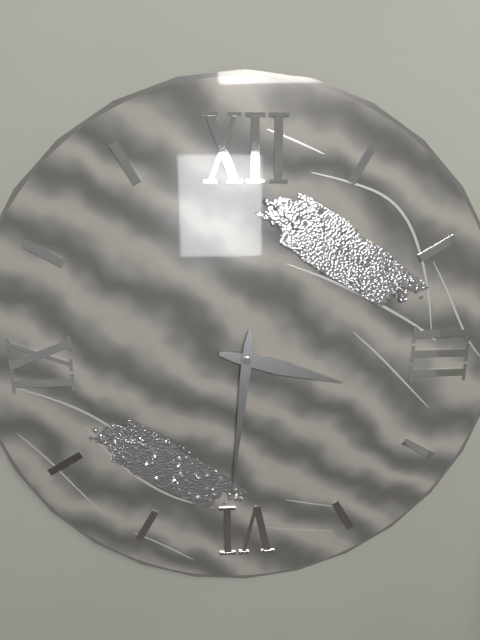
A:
3.31
